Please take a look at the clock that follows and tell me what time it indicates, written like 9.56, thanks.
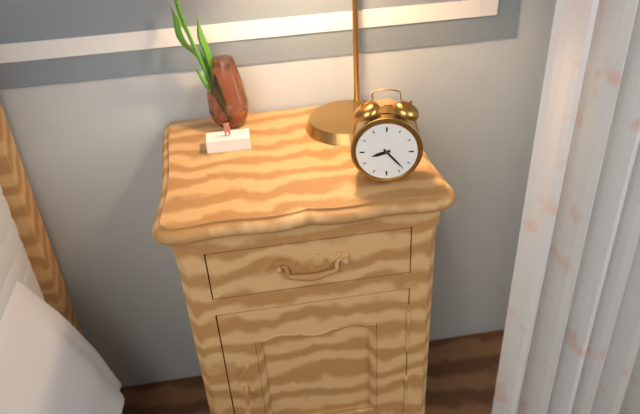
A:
8.23
